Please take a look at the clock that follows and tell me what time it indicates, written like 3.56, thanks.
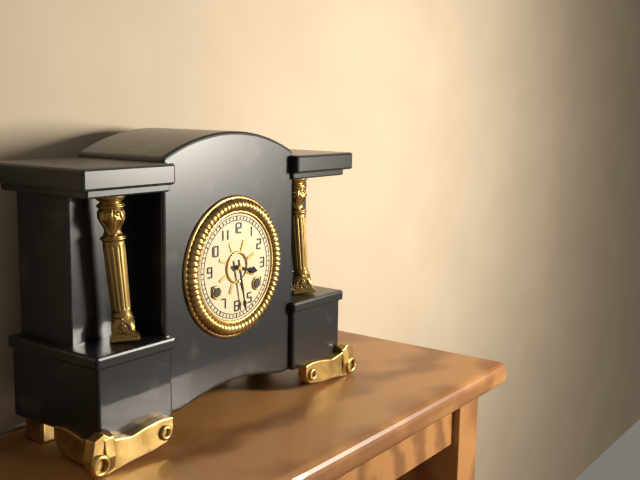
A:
3.28
